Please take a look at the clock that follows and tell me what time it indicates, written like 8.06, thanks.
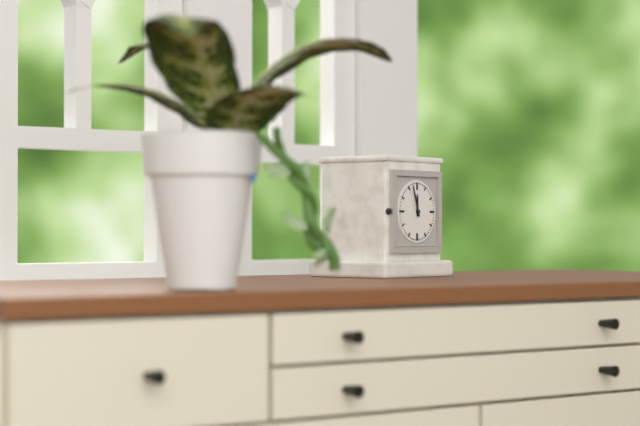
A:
11.57
